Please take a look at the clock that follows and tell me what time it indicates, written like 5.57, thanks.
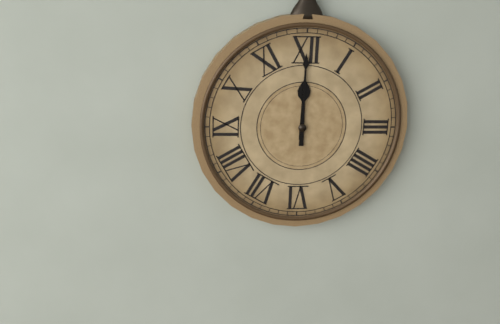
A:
12.00
